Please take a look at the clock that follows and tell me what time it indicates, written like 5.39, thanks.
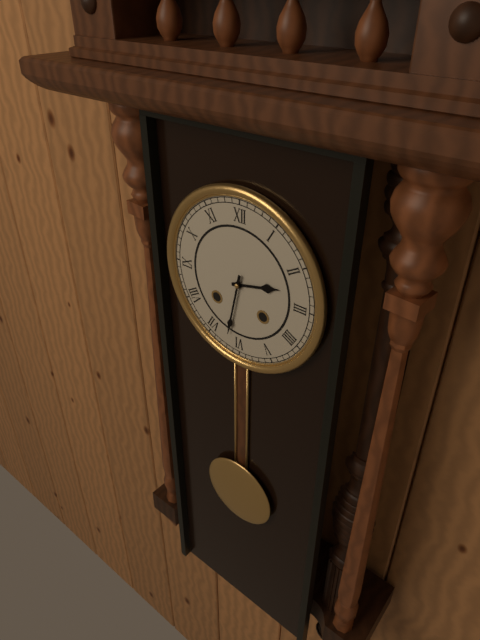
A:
2.32
